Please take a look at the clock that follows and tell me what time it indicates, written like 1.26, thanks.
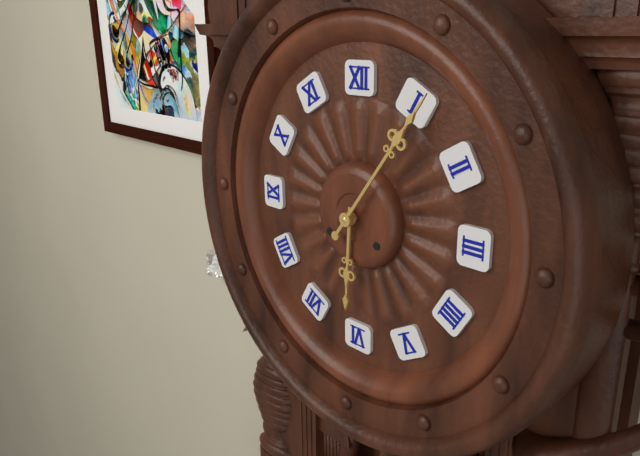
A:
6.06
